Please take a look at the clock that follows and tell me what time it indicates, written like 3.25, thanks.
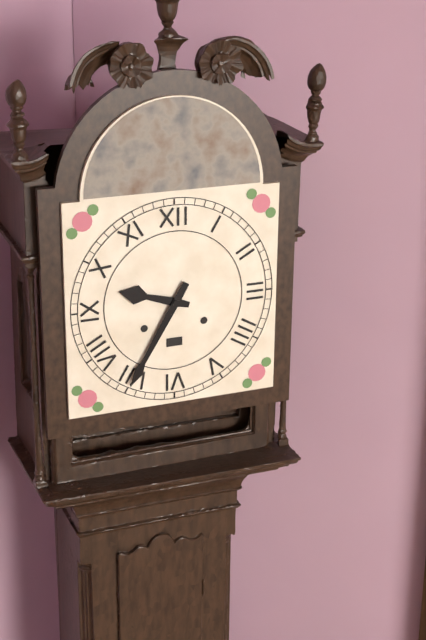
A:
9.35
